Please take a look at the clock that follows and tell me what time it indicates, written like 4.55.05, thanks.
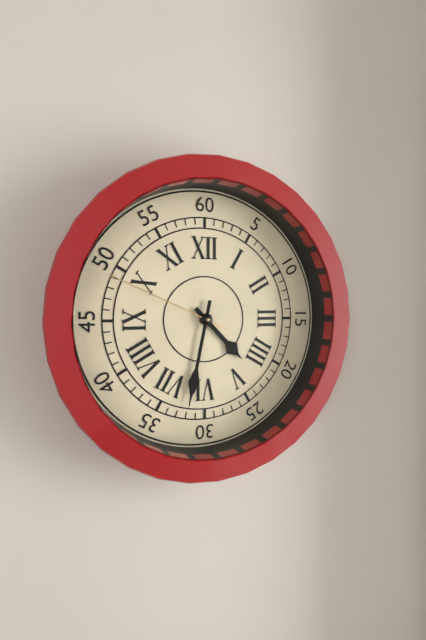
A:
4.32.49
